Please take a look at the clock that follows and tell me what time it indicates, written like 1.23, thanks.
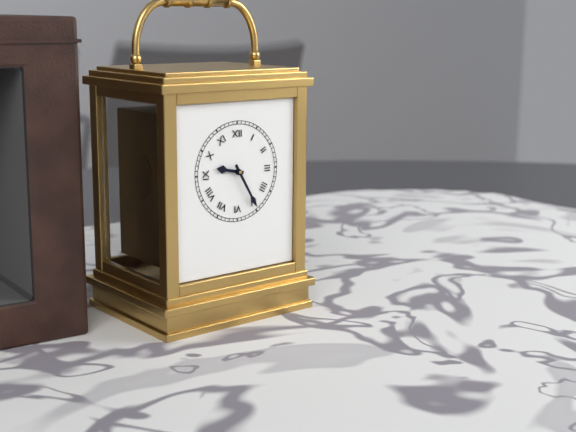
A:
9.25
